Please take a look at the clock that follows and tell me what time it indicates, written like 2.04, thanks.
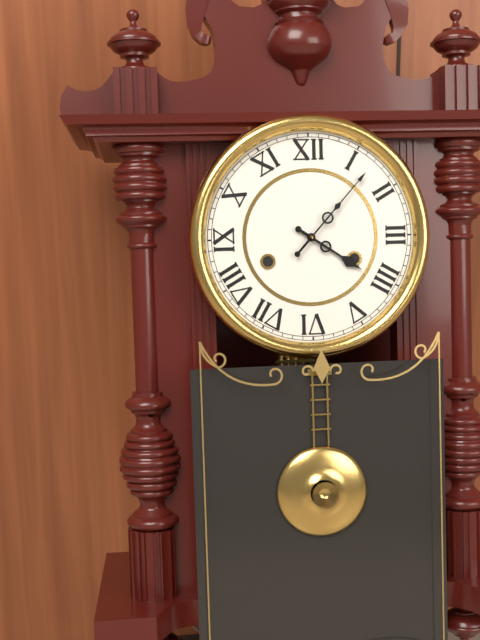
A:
4.07
